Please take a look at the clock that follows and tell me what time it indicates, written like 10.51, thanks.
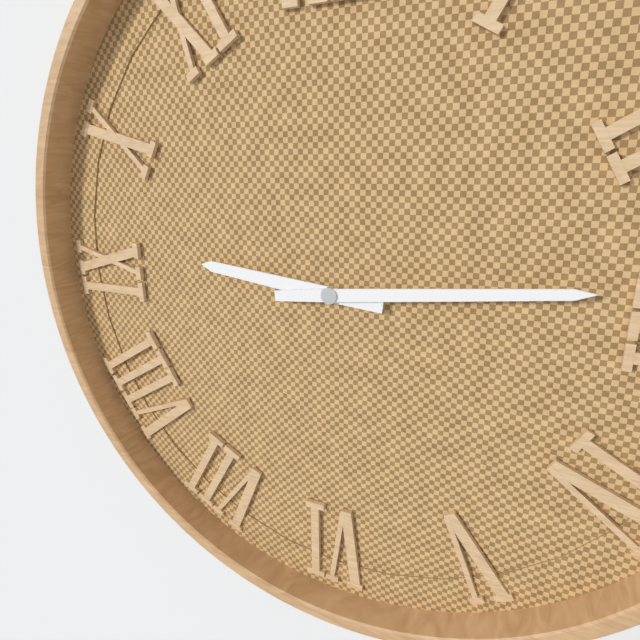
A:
9.14
